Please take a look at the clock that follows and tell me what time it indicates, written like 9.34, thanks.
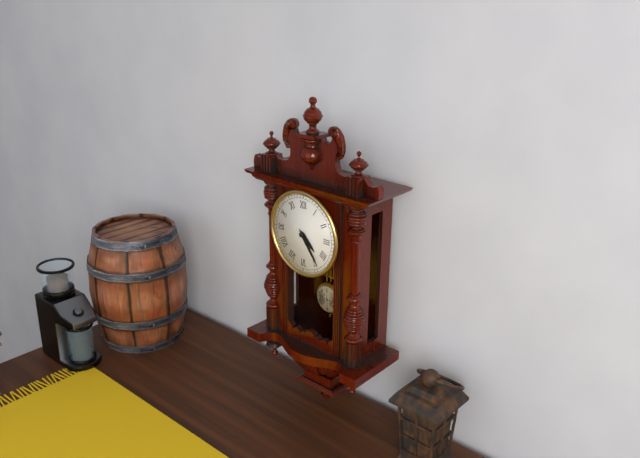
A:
4.24
